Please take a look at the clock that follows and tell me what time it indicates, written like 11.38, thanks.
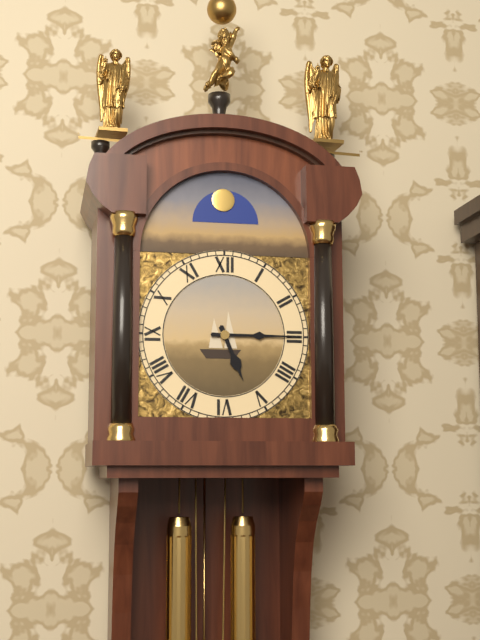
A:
5.15
